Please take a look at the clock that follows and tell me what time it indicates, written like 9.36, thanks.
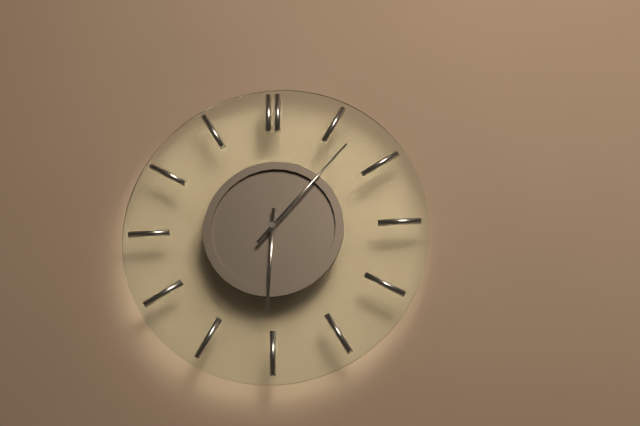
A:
6.07
